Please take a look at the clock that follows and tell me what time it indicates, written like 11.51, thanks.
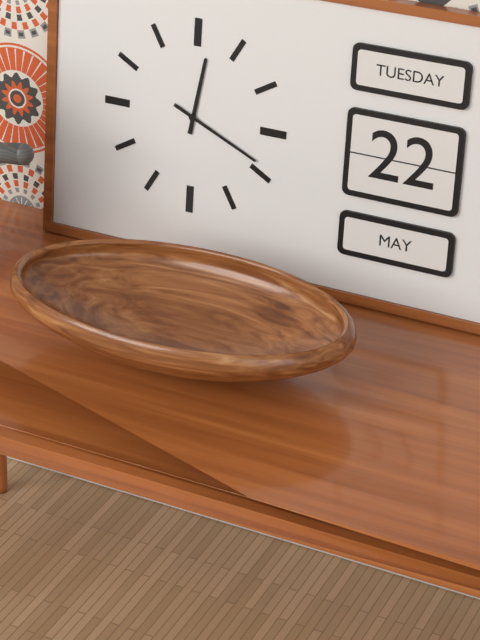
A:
12.19
